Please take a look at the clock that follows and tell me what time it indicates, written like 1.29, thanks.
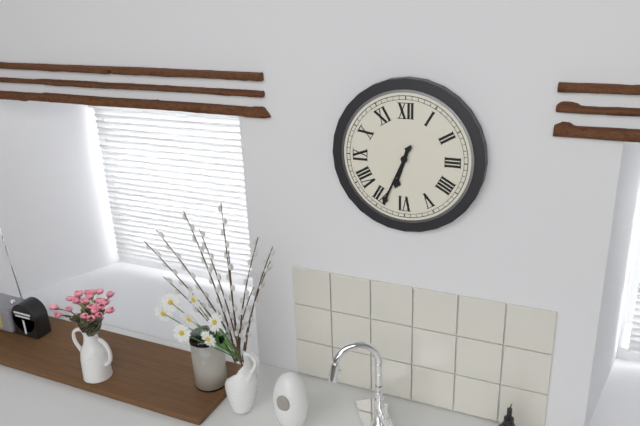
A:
6.34
